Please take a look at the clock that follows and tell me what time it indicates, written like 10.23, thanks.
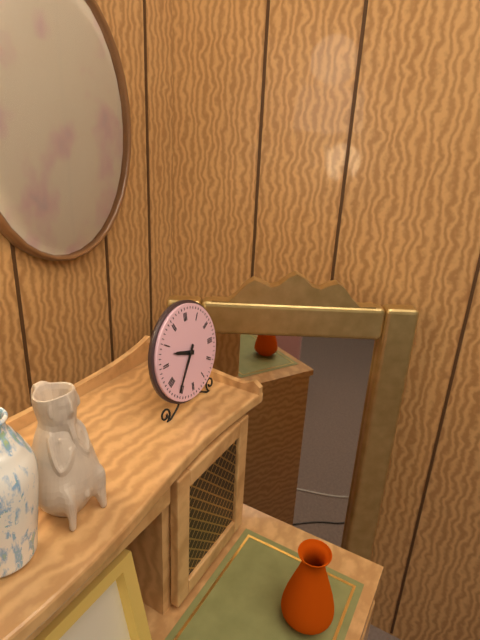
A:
9.36
